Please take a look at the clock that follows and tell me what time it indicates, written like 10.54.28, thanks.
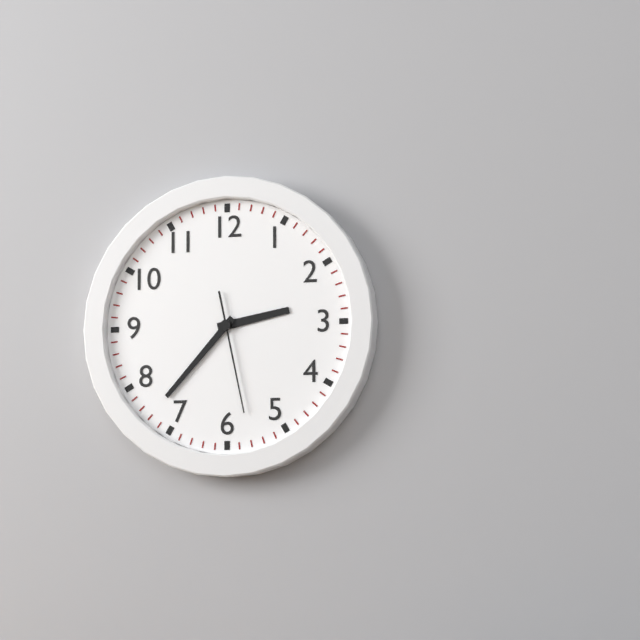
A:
2.37.28
